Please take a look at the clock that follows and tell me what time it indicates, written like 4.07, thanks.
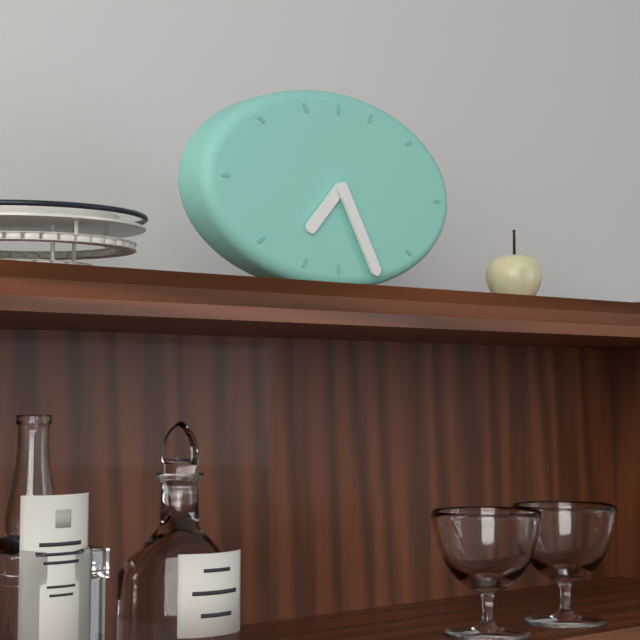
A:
7.25
